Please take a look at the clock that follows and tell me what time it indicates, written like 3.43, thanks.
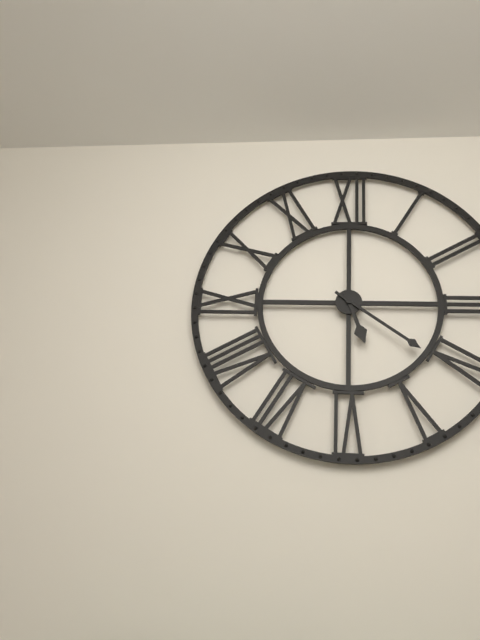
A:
5.21
